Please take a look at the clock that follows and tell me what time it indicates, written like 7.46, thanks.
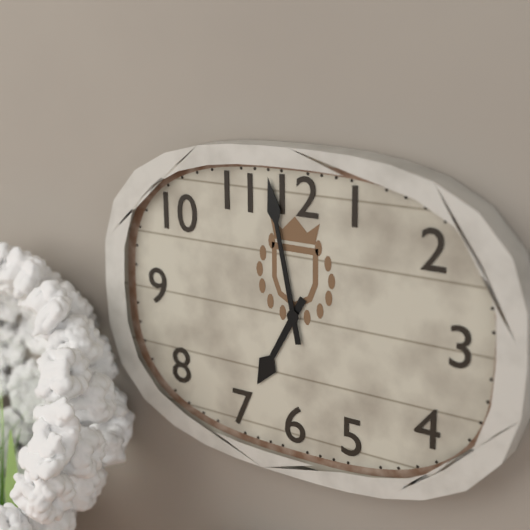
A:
6.58
